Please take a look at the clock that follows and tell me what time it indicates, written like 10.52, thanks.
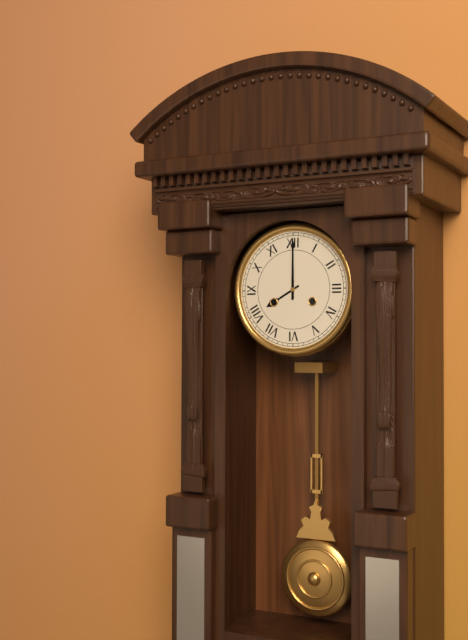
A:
8.00
